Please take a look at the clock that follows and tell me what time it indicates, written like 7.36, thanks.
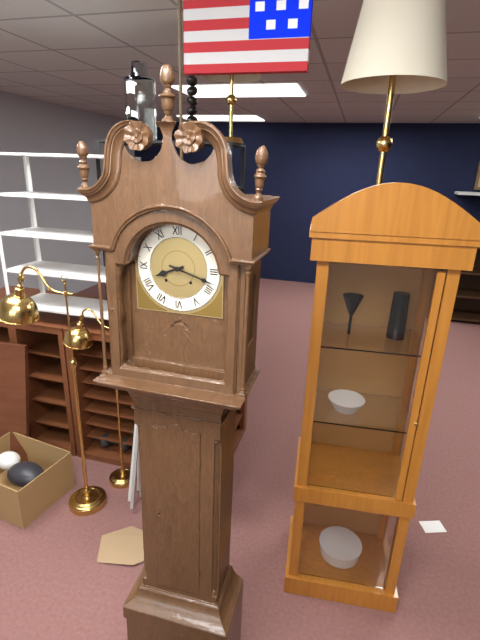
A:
8.18
